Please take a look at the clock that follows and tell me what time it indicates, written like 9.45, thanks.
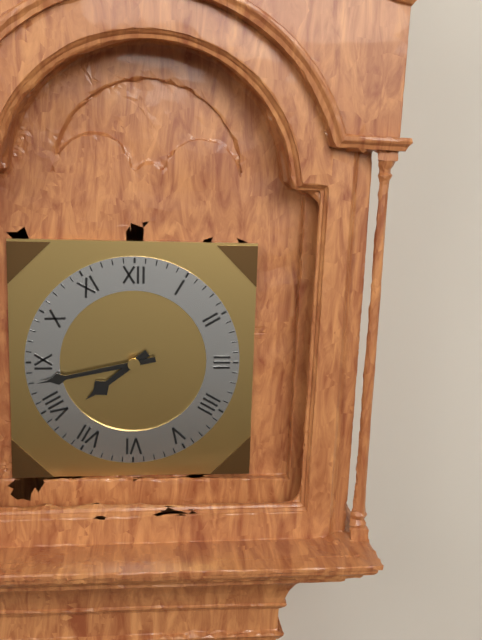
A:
7.43
